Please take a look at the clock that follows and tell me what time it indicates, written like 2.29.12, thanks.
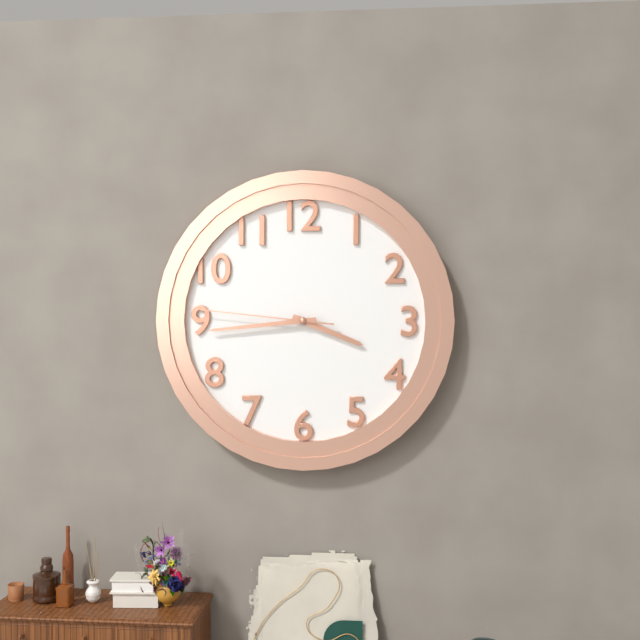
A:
3.44.46
